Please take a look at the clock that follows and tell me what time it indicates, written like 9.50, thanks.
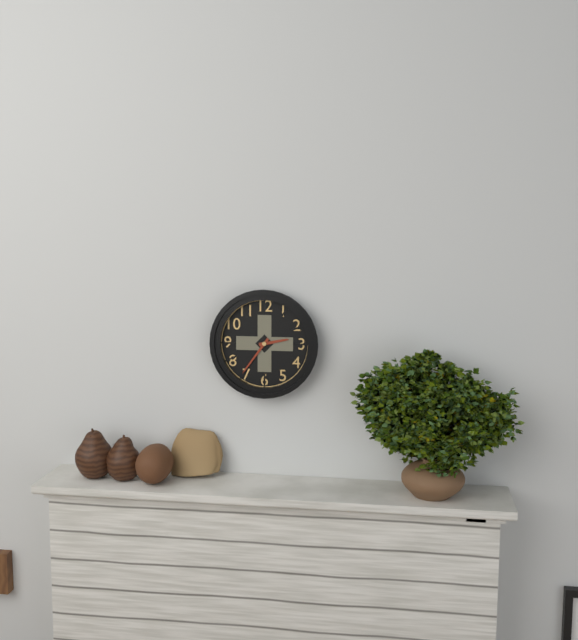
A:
2.36
